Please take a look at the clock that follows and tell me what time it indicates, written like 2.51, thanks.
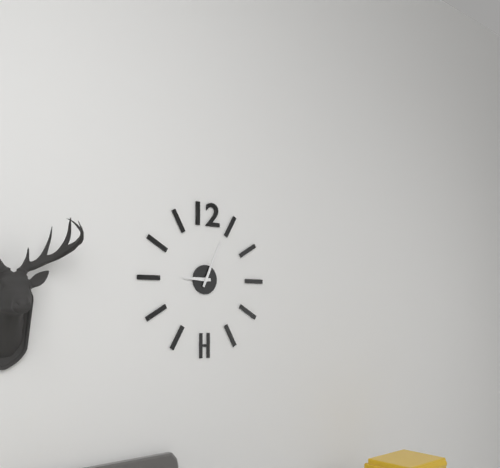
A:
9.04
